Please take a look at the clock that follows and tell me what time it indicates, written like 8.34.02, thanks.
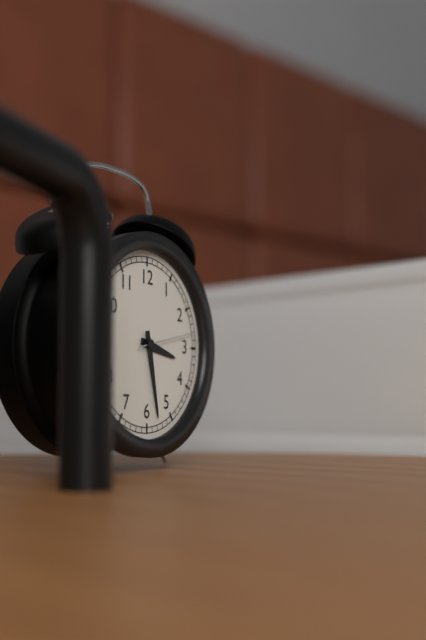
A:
3.28.13
